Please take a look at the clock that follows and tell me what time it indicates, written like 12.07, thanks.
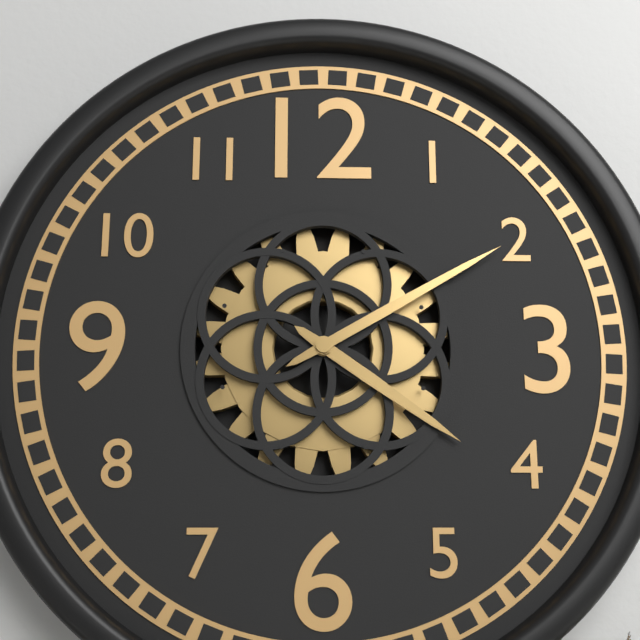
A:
4.10
